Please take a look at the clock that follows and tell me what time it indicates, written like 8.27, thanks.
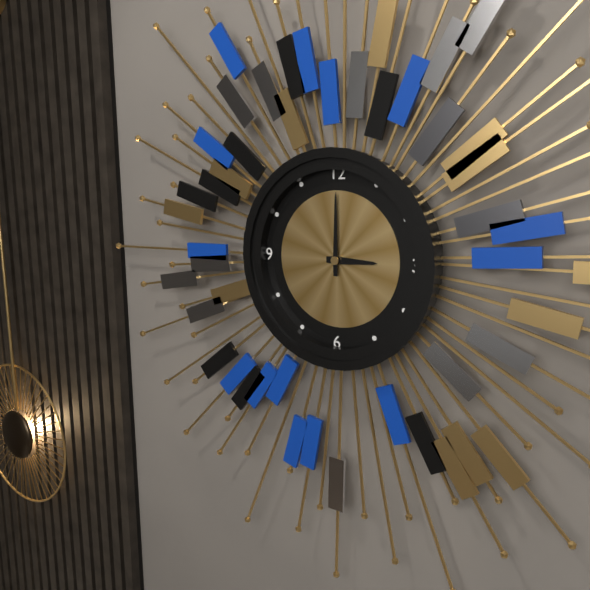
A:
3.00
